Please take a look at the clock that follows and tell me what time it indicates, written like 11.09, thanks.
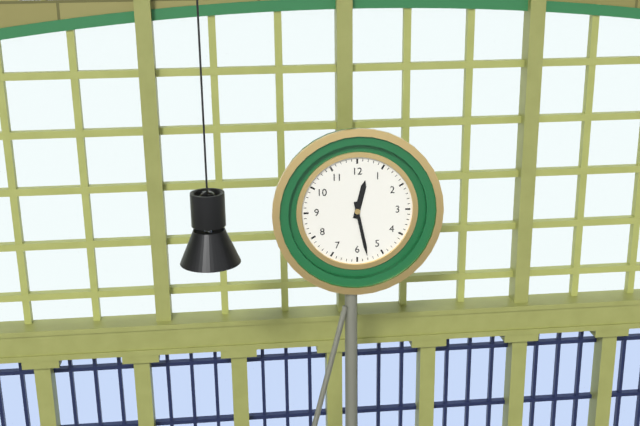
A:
12.28
